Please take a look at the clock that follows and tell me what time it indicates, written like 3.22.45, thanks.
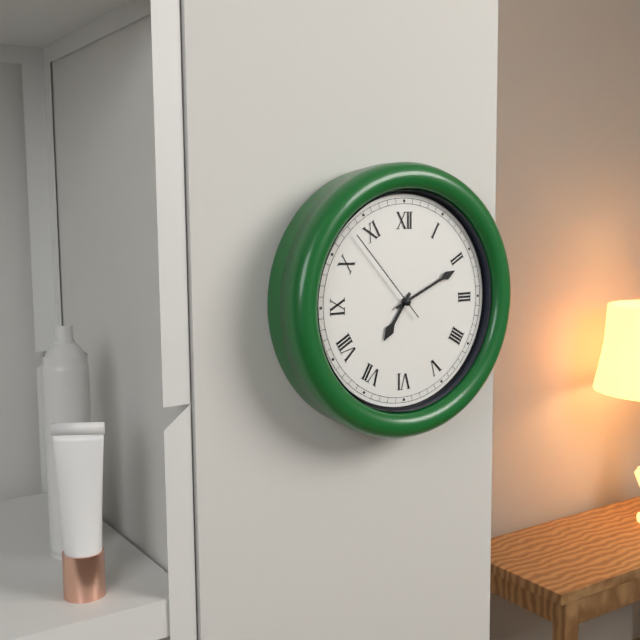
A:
7.11.53
